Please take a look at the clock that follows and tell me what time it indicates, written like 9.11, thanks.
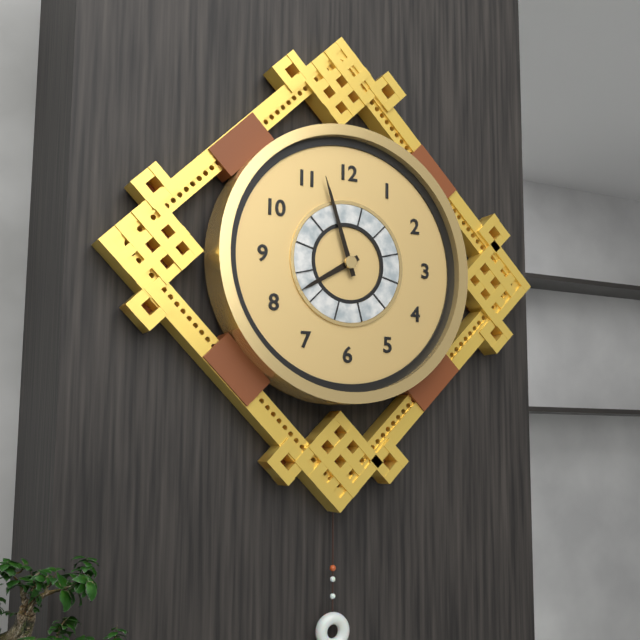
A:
7.57
